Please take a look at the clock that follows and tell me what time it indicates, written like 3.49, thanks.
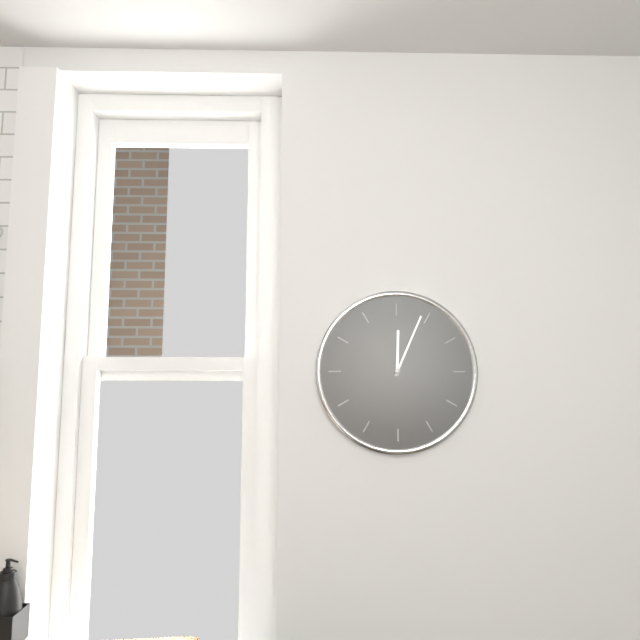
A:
12.04
